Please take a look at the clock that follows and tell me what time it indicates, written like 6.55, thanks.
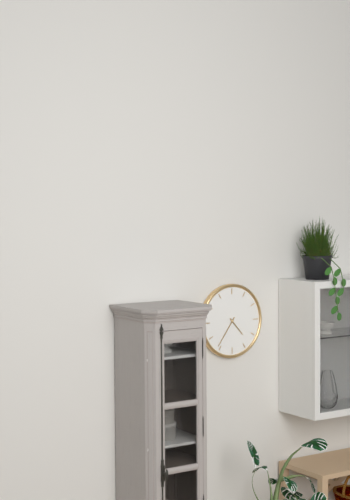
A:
4.36
